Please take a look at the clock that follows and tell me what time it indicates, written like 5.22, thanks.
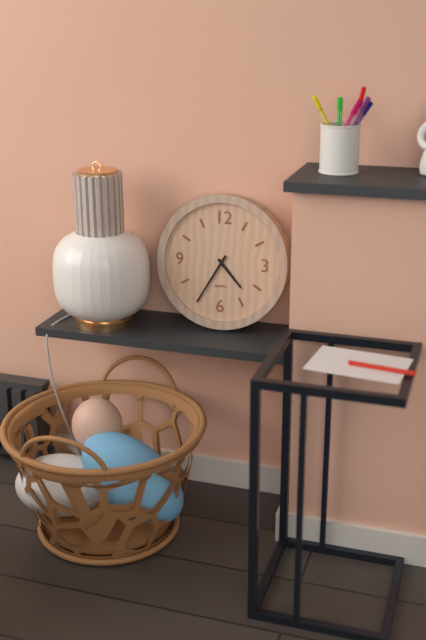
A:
4.35
